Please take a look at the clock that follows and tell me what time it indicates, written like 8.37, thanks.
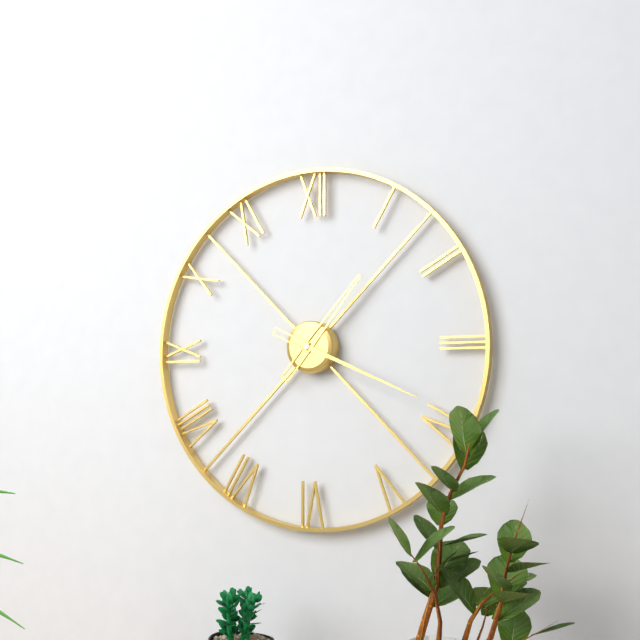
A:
1.19
